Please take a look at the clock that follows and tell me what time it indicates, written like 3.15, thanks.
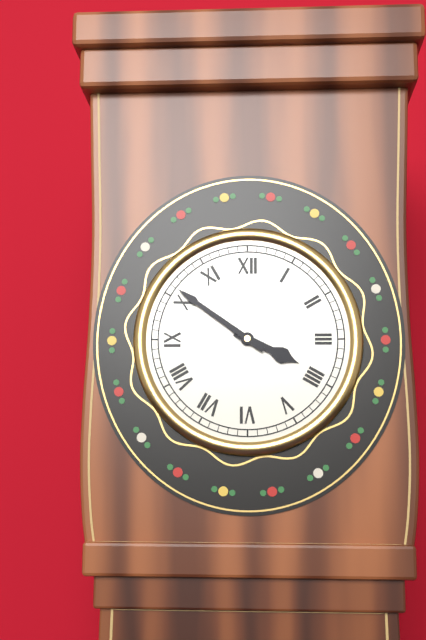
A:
3.51
